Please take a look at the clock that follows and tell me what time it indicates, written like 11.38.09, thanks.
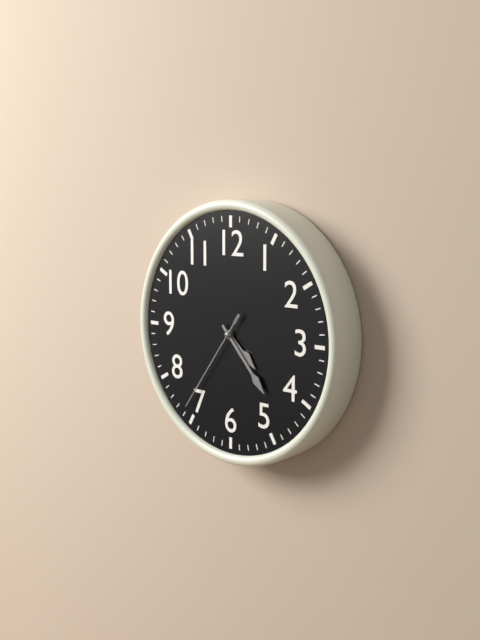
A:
4.23.36
